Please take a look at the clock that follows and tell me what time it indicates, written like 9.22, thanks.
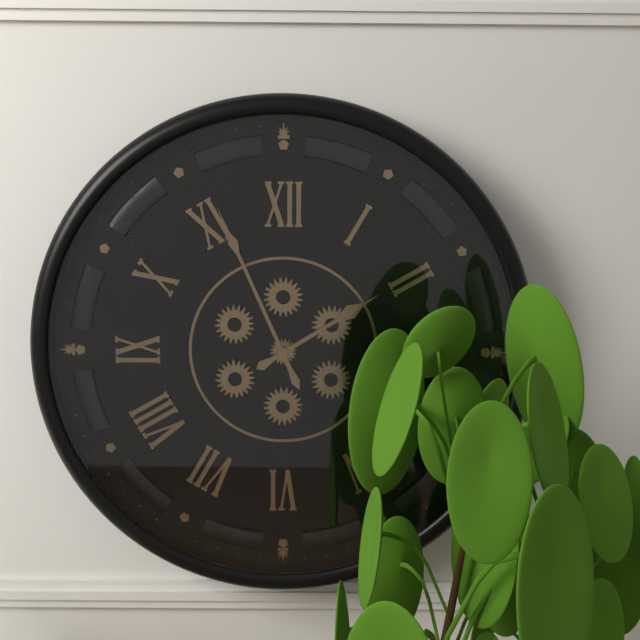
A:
1.56
